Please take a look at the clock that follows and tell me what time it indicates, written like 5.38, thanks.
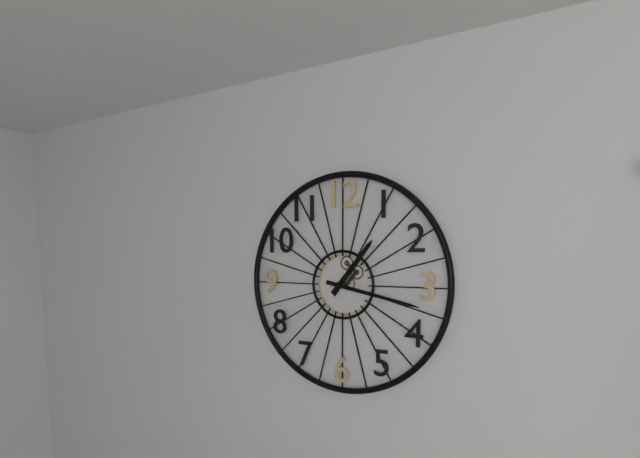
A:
1.17
